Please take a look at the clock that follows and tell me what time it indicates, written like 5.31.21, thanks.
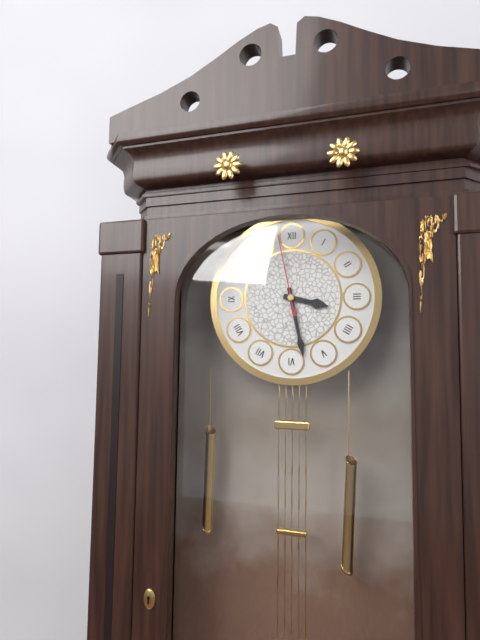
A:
3.28.58
